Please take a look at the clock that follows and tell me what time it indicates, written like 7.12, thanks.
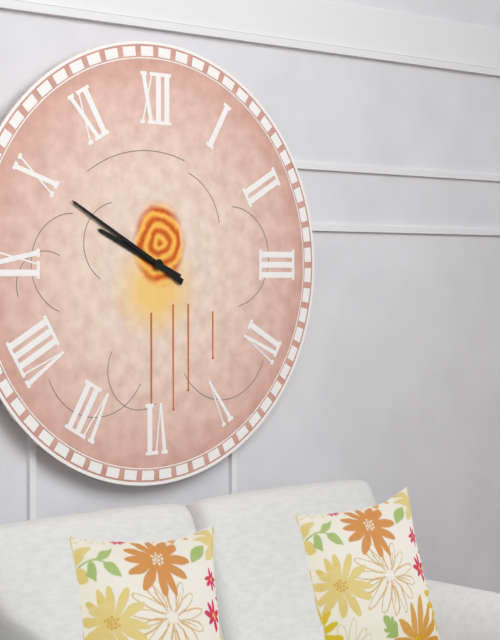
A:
9.50
